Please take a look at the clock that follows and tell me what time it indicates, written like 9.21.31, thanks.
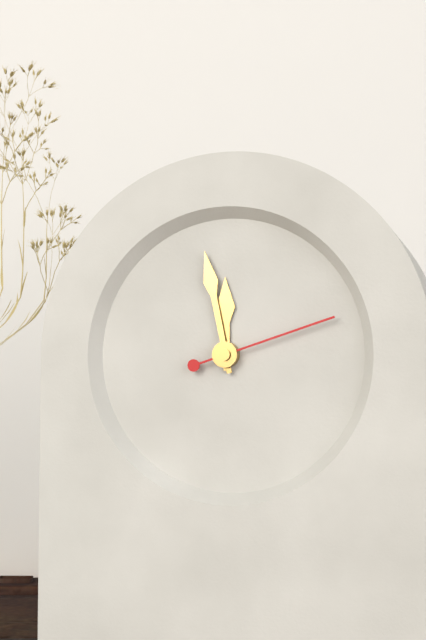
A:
11.58.12
